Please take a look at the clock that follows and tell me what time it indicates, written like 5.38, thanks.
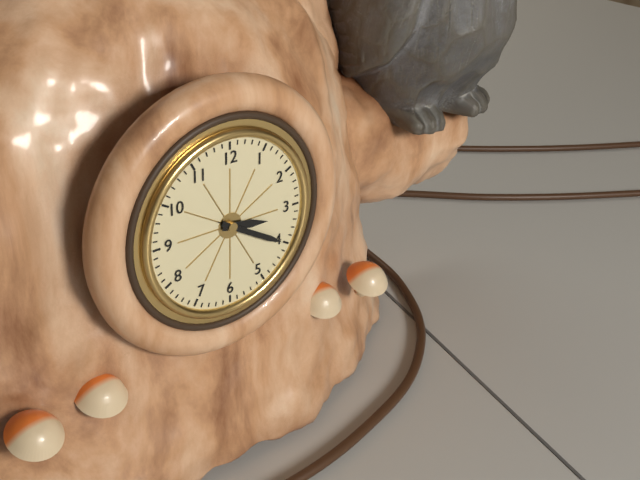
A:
3.20
